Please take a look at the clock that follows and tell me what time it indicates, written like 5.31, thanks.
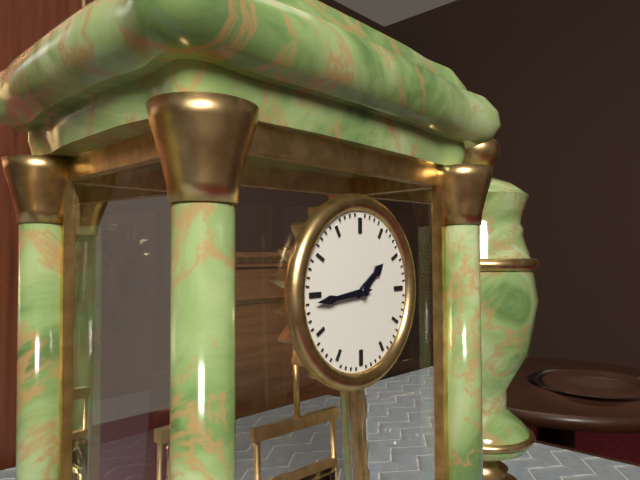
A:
1.44
